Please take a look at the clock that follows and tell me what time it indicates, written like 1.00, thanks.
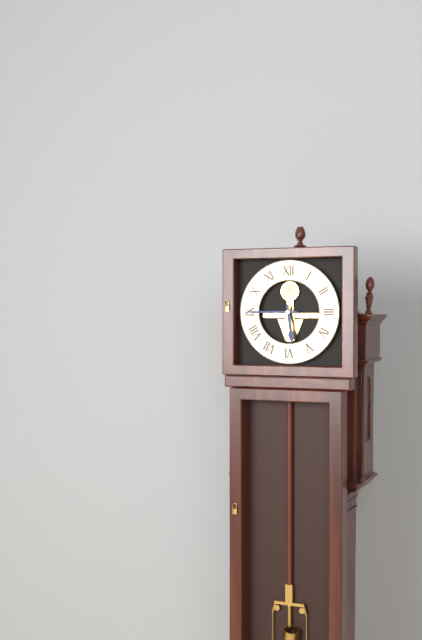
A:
5.45
